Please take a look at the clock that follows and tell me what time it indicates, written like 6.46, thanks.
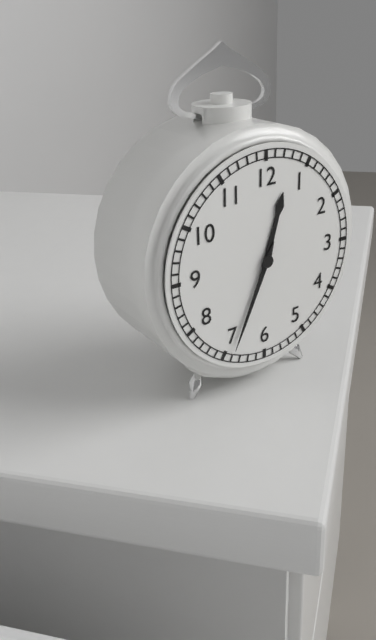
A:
12.34
